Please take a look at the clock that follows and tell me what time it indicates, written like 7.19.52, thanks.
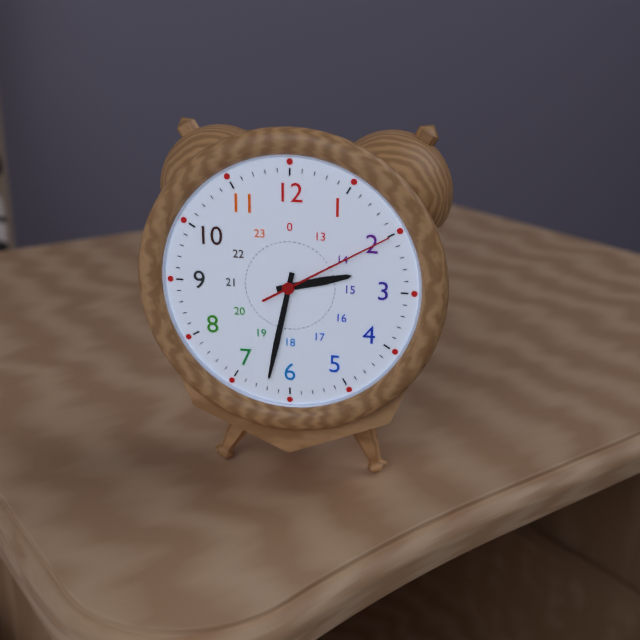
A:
2.32.10
